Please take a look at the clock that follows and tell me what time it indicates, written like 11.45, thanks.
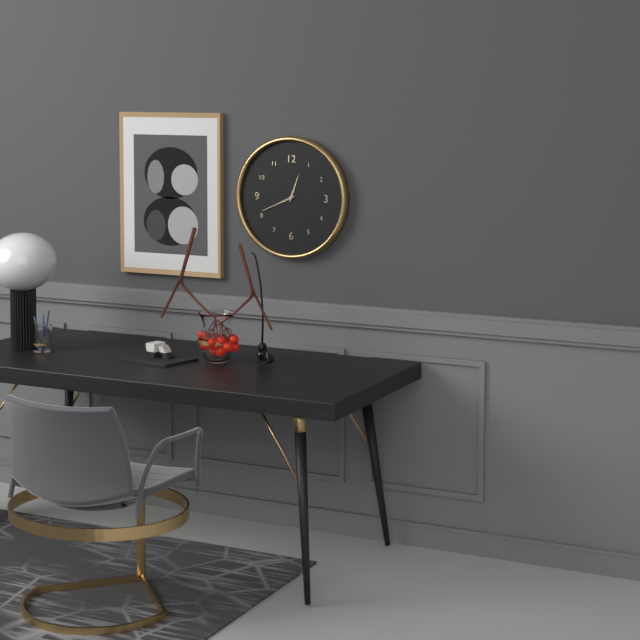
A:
12.41
